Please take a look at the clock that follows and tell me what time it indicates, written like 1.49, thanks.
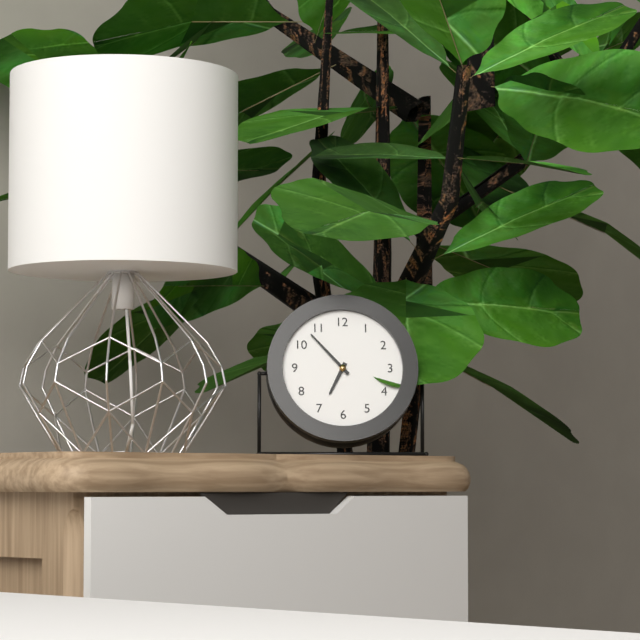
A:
6.53
